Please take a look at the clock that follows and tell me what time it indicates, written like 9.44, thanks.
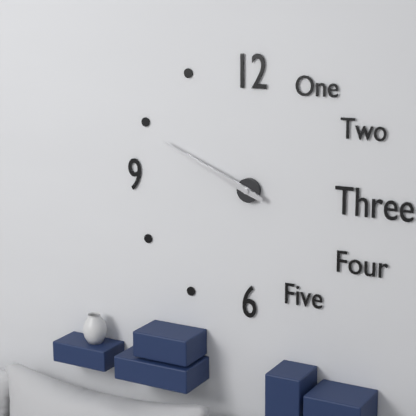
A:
9.49
